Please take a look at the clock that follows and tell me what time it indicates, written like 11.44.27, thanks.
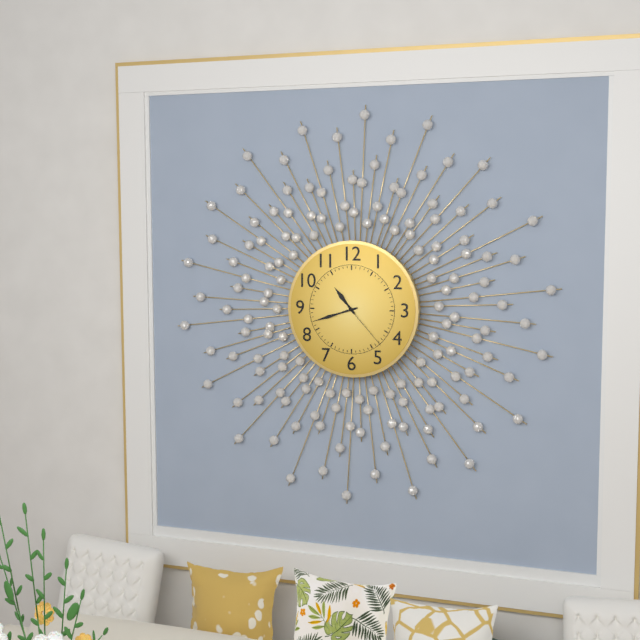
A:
10.42.23
